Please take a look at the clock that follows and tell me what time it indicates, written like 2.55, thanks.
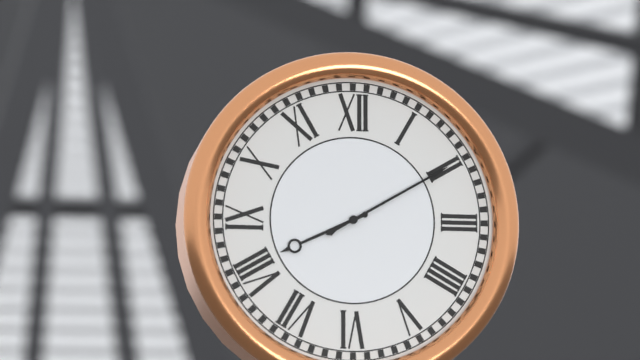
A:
8.10
